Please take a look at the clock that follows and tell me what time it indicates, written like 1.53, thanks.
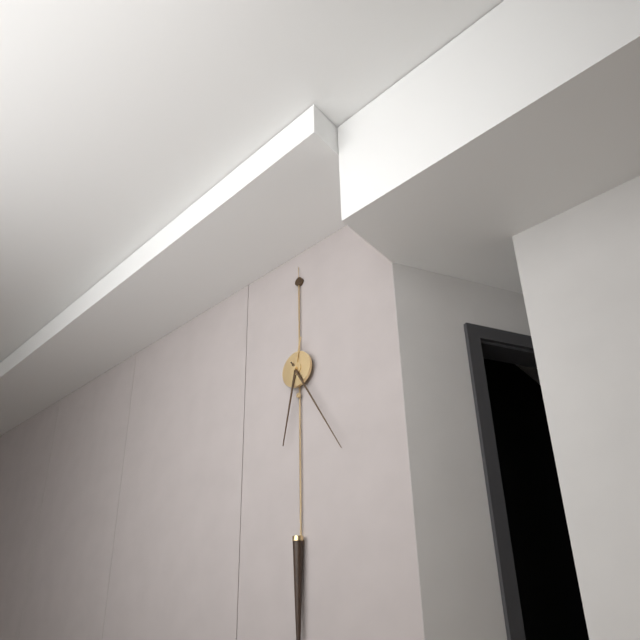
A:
6.25
